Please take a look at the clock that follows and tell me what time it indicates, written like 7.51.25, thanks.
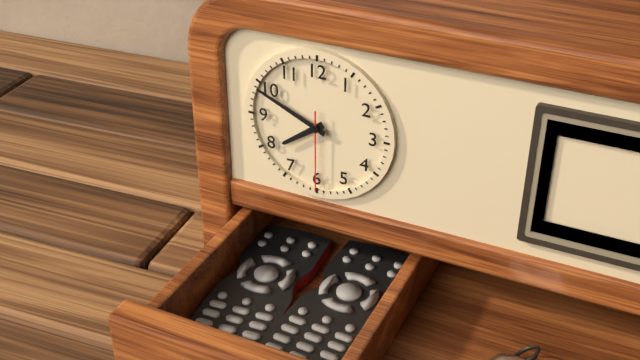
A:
7.49.30
